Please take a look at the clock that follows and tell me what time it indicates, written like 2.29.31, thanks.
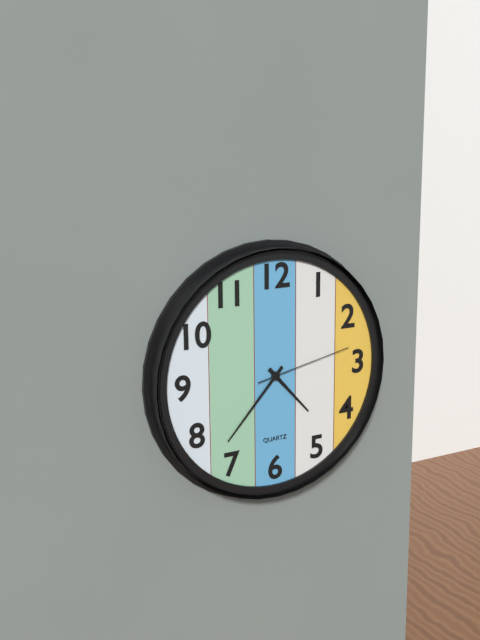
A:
4.37.13
